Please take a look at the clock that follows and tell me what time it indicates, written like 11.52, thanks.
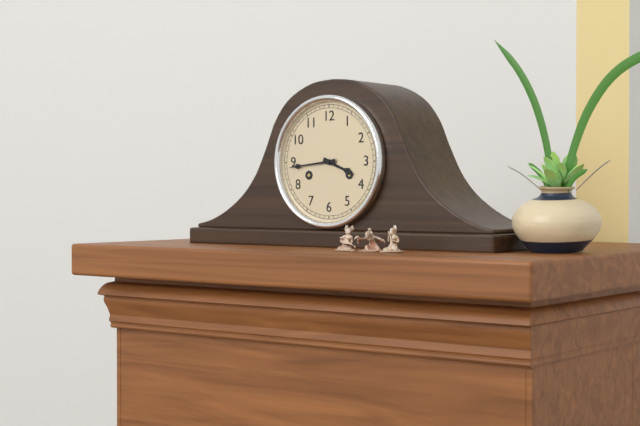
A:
3.44
